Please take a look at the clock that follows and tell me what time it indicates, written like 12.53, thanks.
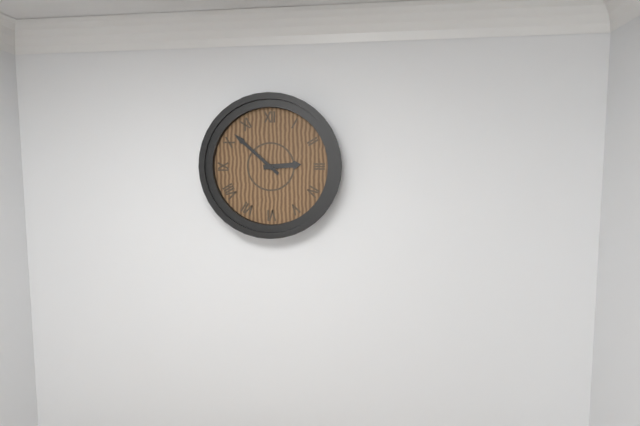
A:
2.52
